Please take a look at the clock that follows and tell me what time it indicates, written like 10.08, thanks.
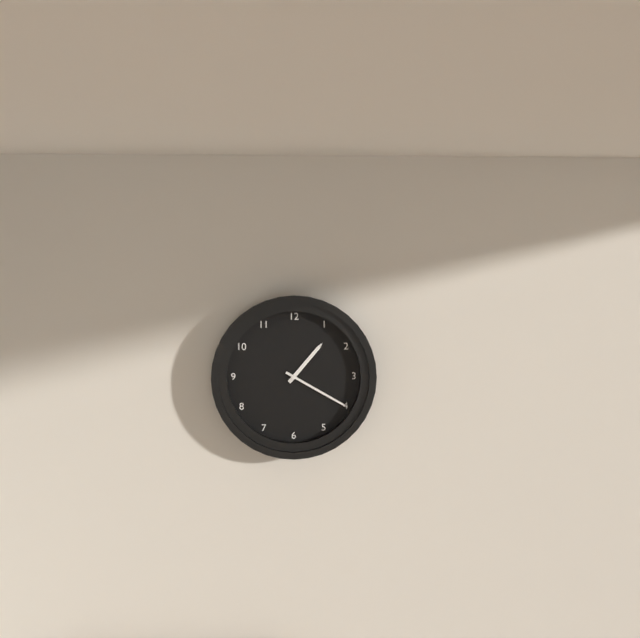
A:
1.20
